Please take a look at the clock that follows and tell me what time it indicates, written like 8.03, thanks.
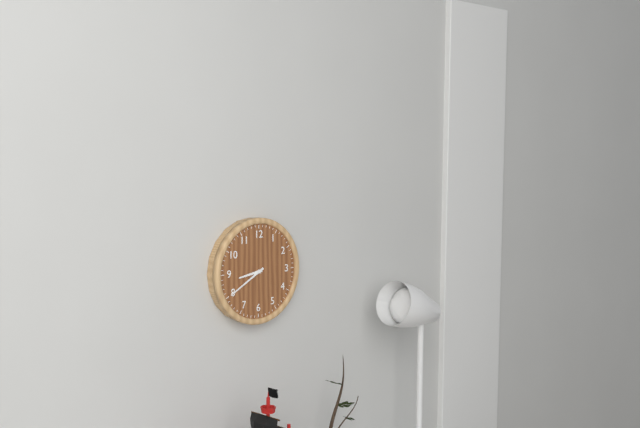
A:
8.40
